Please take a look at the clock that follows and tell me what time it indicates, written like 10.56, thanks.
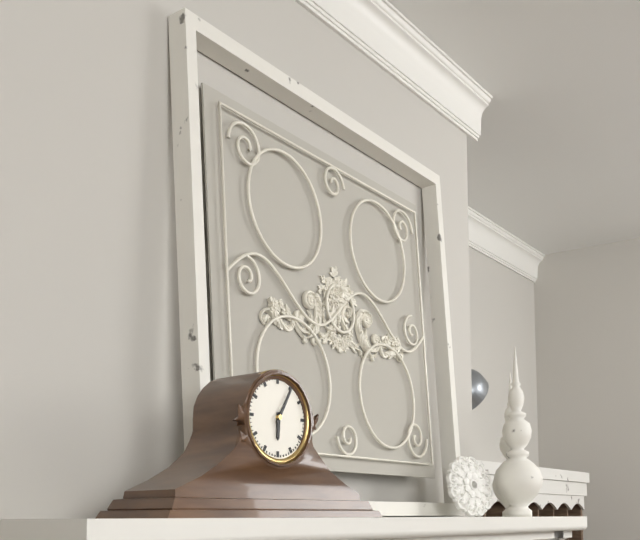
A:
6.05
